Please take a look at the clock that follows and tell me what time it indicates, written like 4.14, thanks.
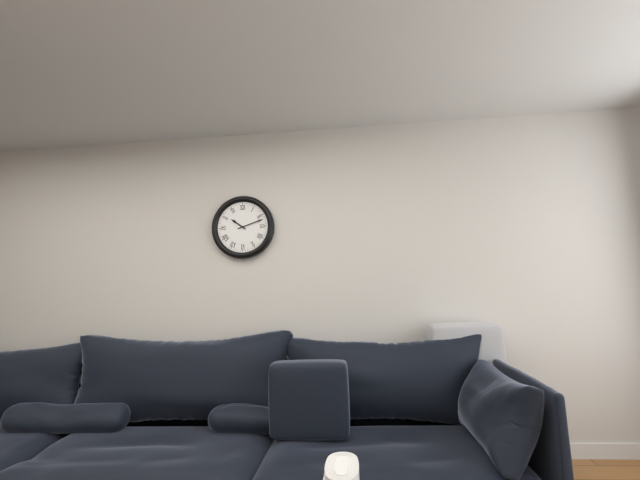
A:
10.12
